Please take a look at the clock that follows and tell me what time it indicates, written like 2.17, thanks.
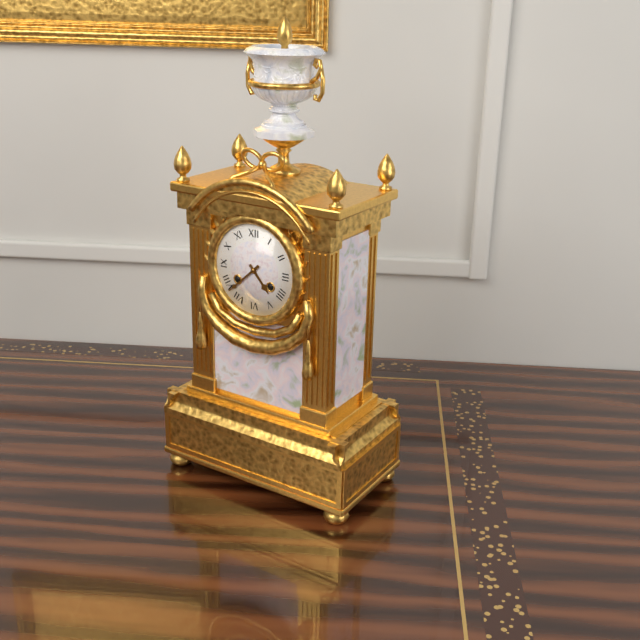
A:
4.38
